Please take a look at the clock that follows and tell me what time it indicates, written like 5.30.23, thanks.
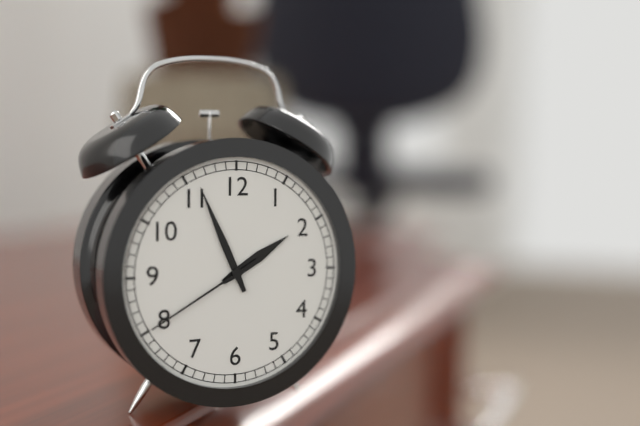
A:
1.56.40
